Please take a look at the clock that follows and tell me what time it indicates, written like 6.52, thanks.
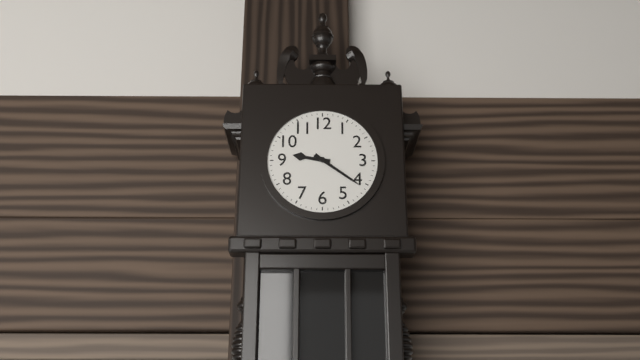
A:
9.21
